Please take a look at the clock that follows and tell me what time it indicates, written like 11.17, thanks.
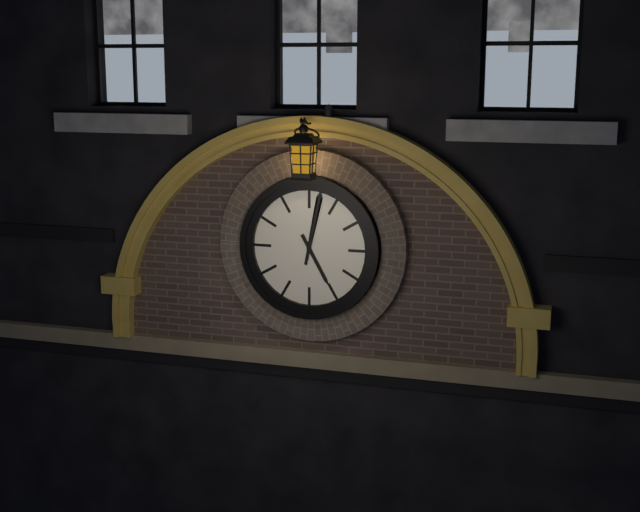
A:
5.02
